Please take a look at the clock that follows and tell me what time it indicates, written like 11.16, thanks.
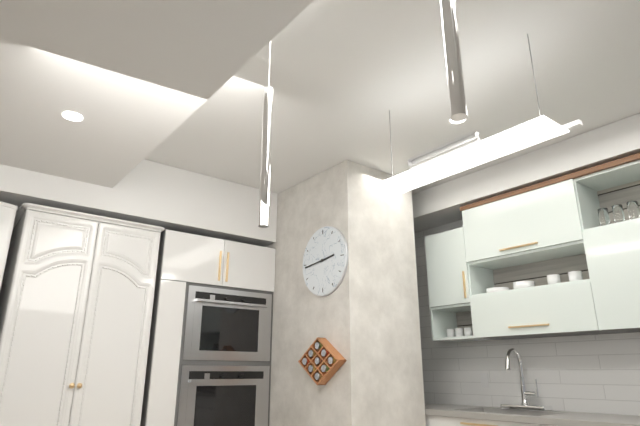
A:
2.44
